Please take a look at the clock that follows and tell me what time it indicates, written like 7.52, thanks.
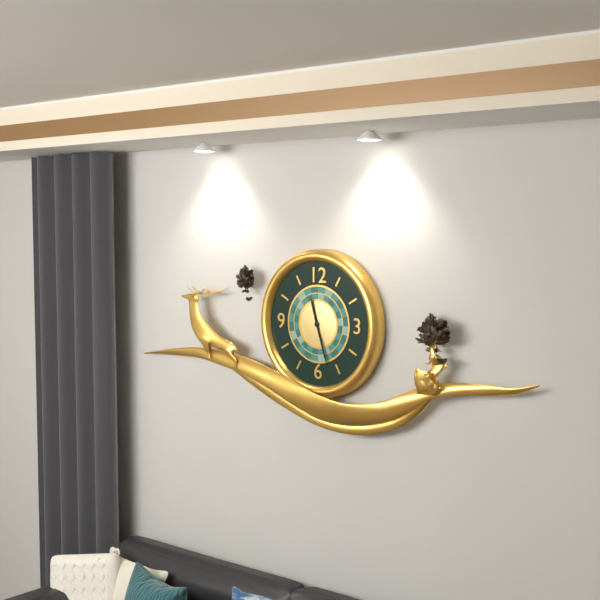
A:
11.27
